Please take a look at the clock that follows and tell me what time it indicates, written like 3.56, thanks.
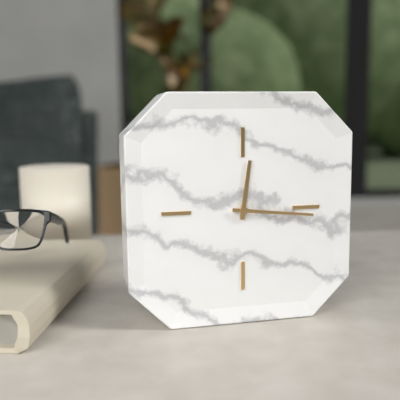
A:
12.16
